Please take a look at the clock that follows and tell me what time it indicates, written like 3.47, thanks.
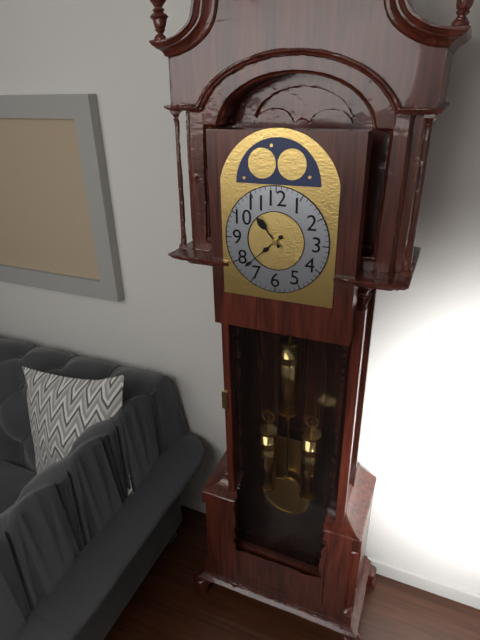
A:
10.38
